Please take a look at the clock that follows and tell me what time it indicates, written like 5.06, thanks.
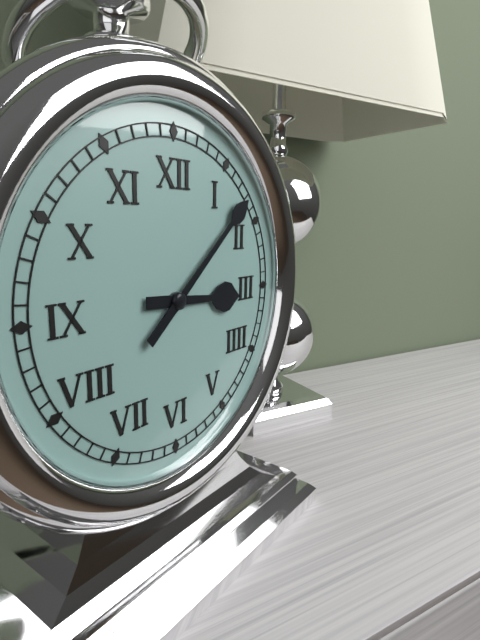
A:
3.08
